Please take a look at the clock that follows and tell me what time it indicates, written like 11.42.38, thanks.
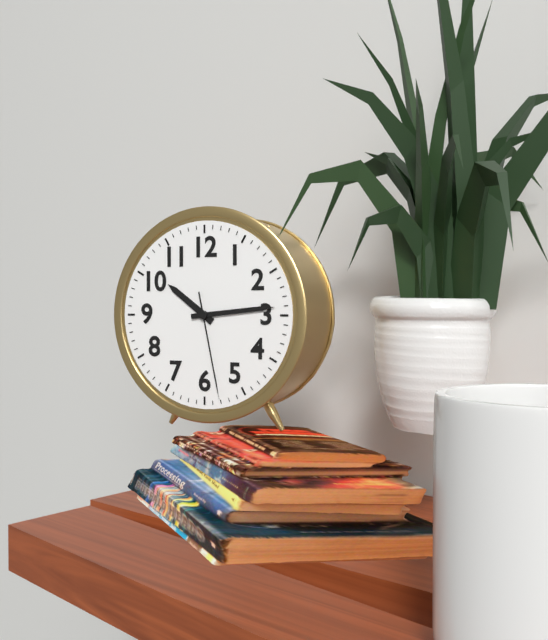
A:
10.14.28
